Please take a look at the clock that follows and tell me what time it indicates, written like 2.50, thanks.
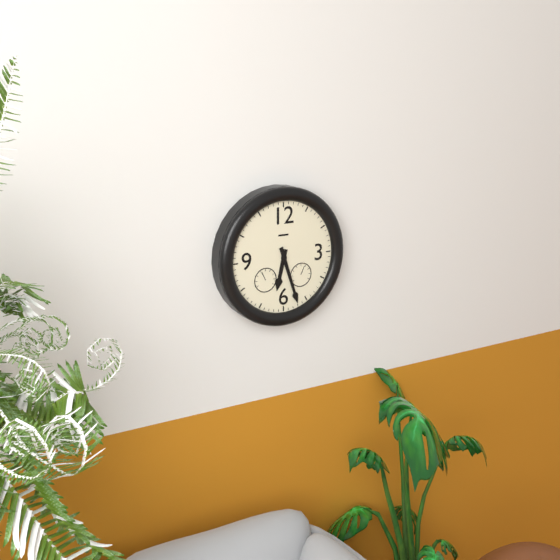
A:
6.27
